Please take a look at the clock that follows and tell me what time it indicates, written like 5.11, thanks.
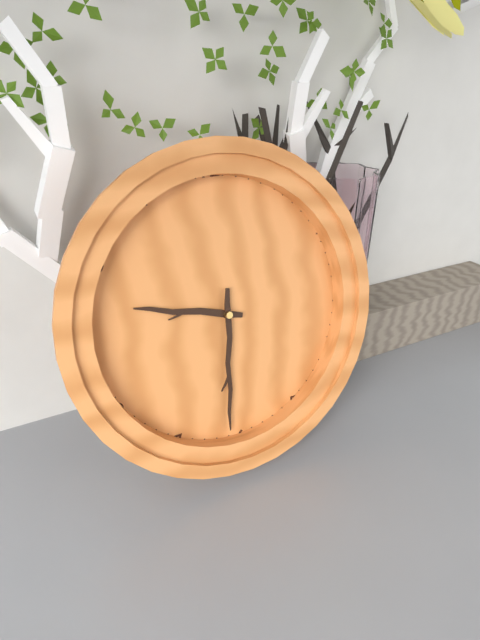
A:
9.31
